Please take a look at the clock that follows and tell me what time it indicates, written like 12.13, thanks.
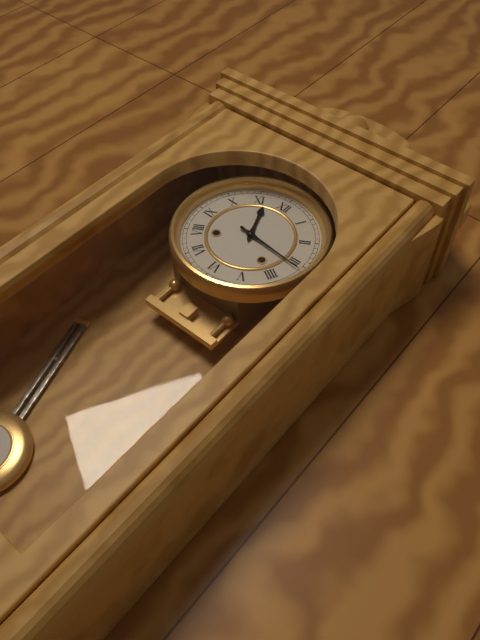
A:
11.16
